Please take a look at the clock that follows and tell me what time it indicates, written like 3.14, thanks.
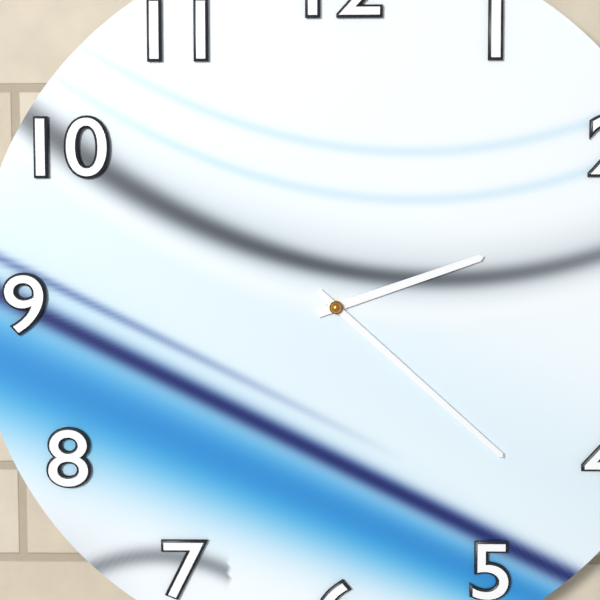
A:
2.22
